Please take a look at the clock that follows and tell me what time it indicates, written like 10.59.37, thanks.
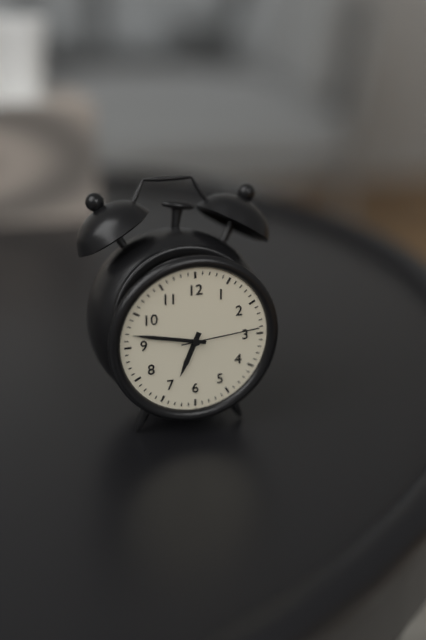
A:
6.47.14
